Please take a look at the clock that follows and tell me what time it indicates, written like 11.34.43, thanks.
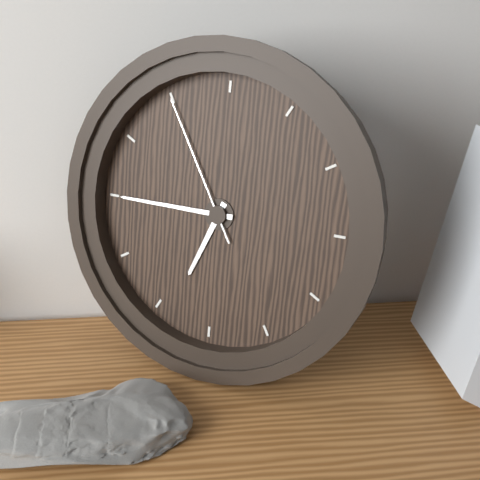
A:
6.45.55
